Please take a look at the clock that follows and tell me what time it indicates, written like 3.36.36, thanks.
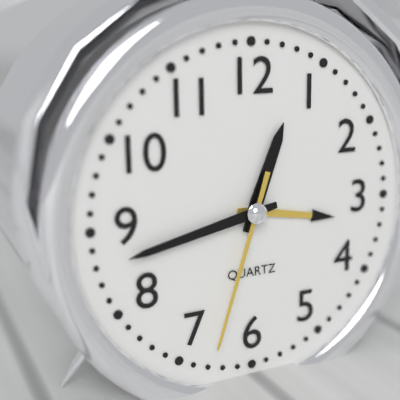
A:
12.43.33
